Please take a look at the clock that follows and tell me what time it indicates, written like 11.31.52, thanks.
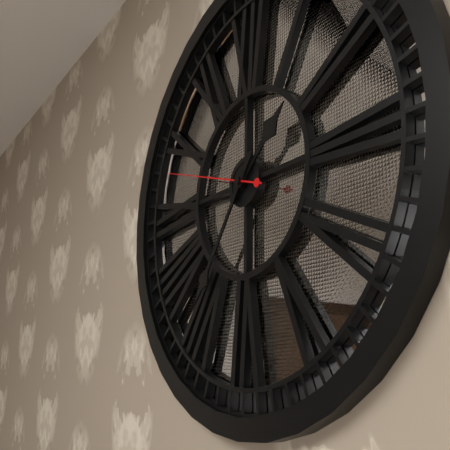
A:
1.36.48
